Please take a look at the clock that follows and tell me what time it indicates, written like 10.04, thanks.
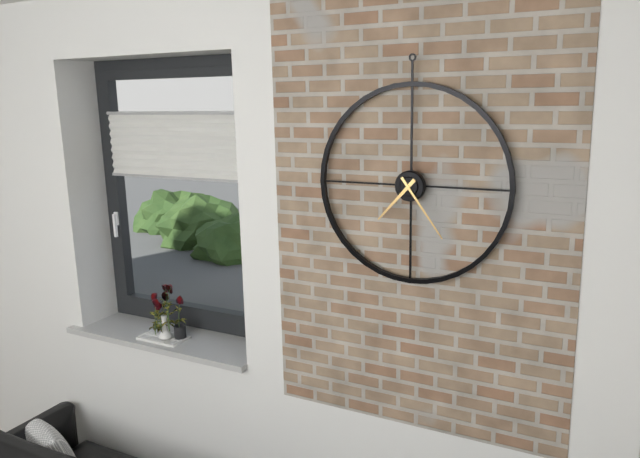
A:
7.24
